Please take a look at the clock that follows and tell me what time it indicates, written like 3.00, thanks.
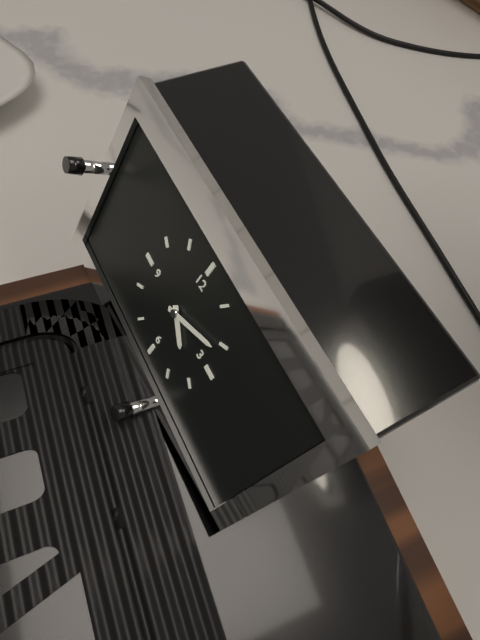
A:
4.11
